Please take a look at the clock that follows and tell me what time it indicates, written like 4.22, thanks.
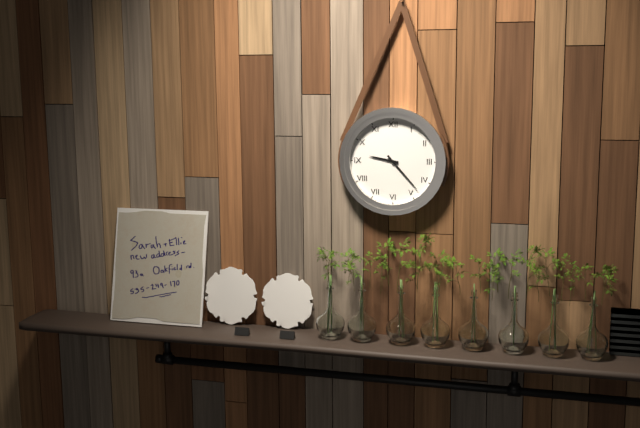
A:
9.23
